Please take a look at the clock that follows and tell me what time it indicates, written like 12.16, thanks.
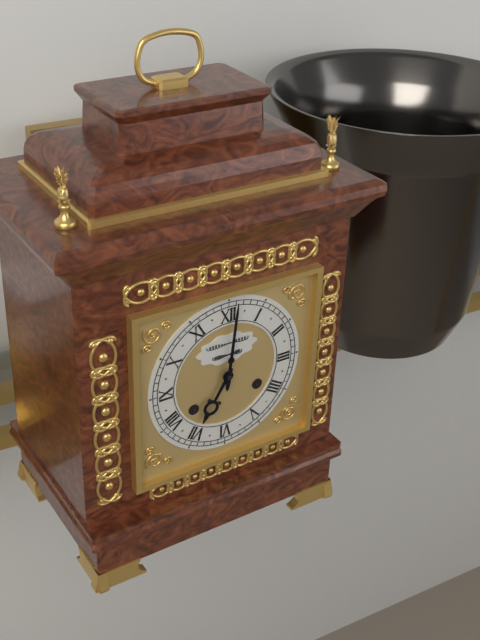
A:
7.01
